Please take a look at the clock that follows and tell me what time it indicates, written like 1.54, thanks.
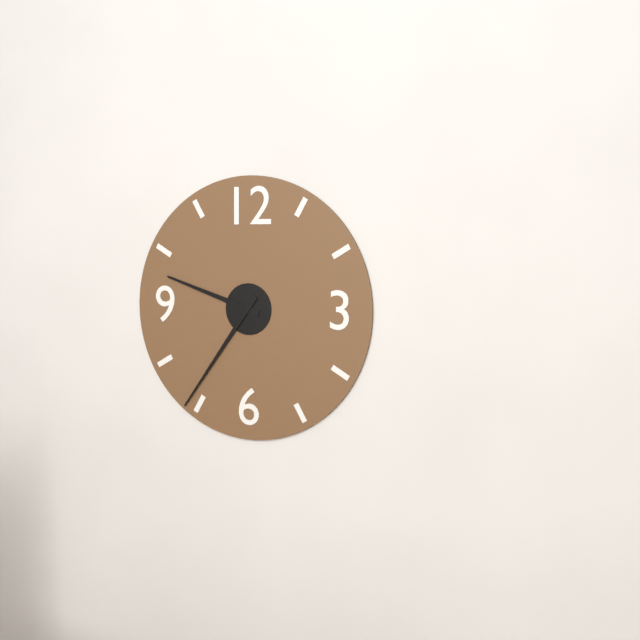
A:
9.36
